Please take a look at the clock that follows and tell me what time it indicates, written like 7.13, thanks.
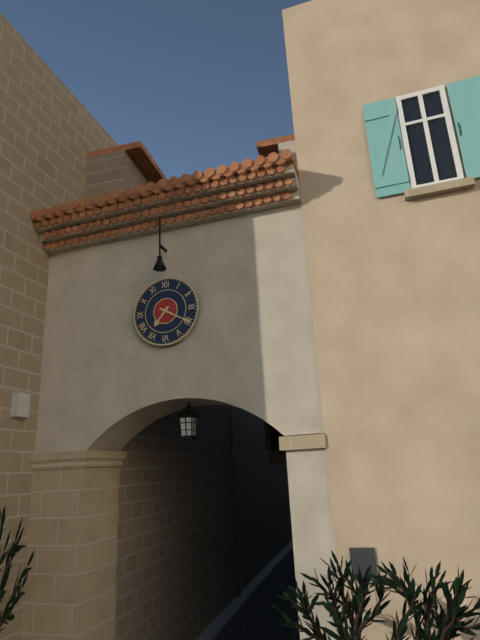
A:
7.20
